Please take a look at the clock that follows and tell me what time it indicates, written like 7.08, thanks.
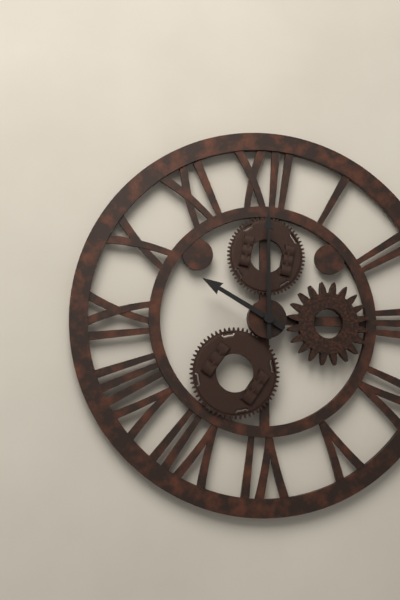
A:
10.00
